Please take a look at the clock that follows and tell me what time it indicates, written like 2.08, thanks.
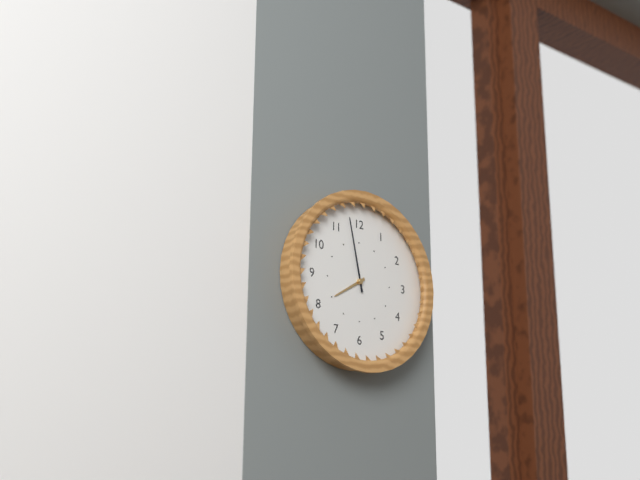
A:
7.58
